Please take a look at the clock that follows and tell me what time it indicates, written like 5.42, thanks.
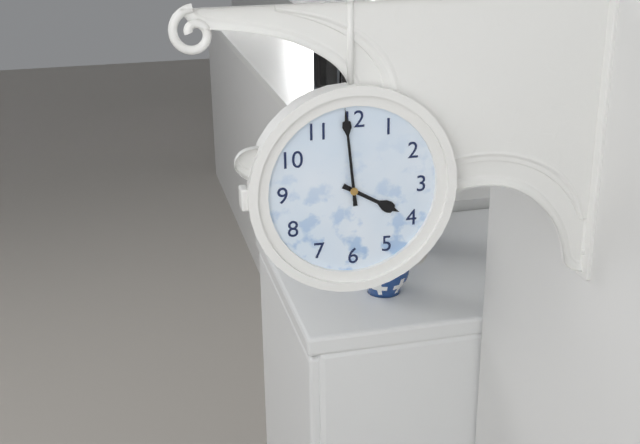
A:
3.59
